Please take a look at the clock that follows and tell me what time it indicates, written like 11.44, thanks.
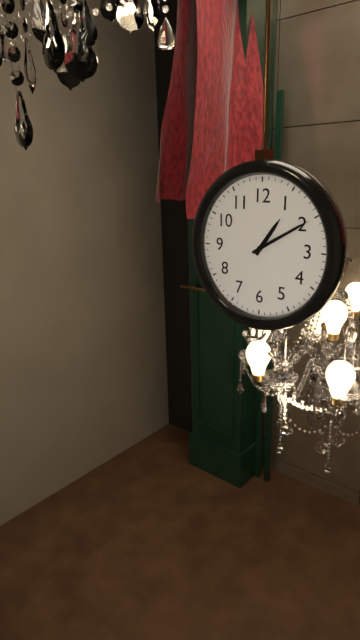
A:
1.10
